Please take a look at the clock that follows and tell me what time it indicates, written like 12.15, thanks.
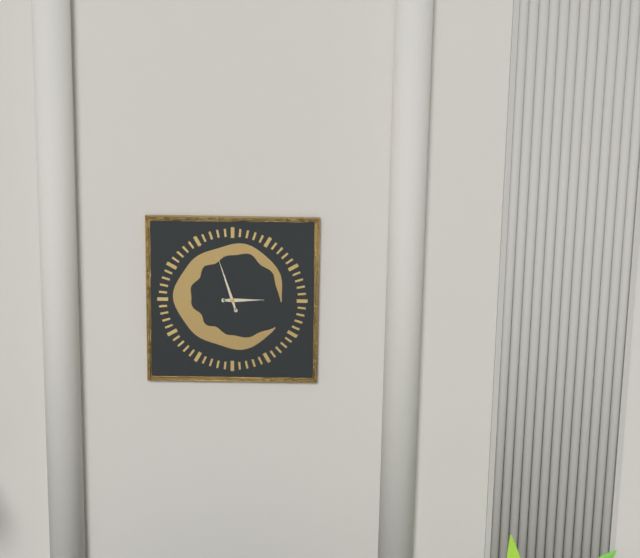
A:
2.57
